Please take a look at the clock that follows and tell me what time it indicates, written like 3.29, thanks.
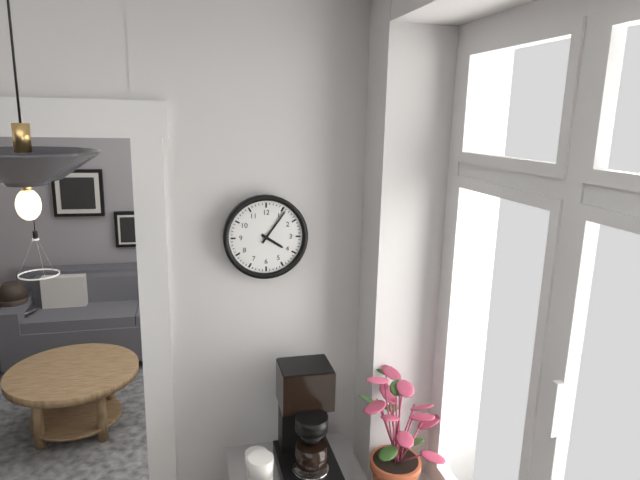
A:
4.06
